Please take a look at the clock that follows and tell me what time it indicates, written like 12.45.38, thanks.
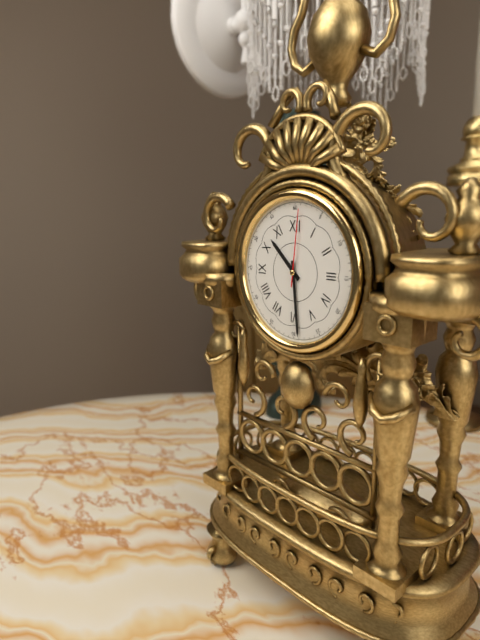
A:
10.29.01
